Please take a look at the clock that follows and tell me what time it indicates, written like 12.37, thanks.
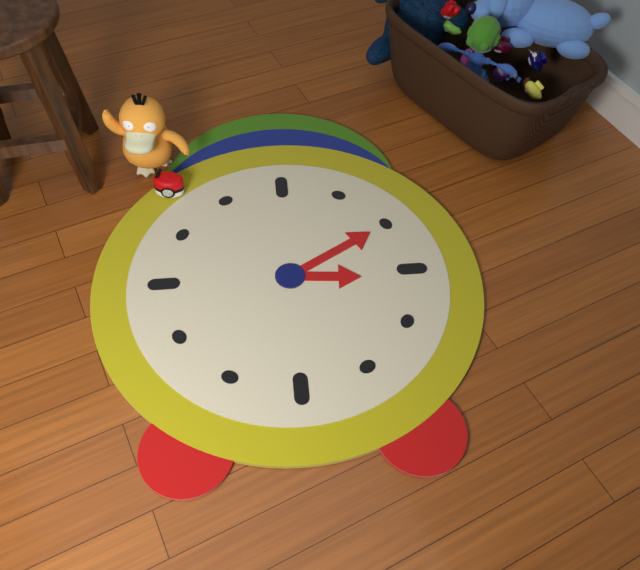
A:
3.10
